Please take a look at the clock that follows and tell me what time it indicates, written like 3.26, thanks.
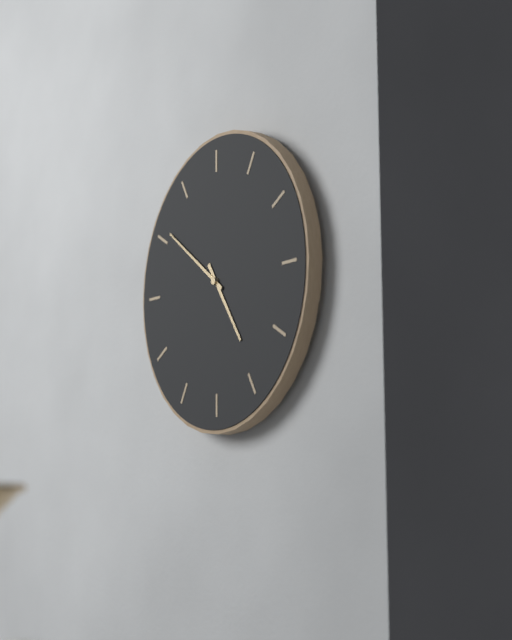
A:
4.51
